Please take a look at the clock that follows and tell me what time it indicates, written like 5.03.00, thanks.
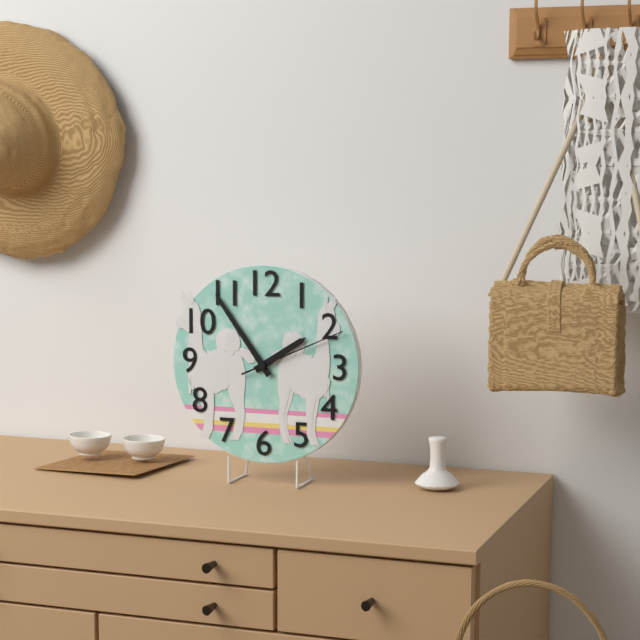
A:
1.54.11
